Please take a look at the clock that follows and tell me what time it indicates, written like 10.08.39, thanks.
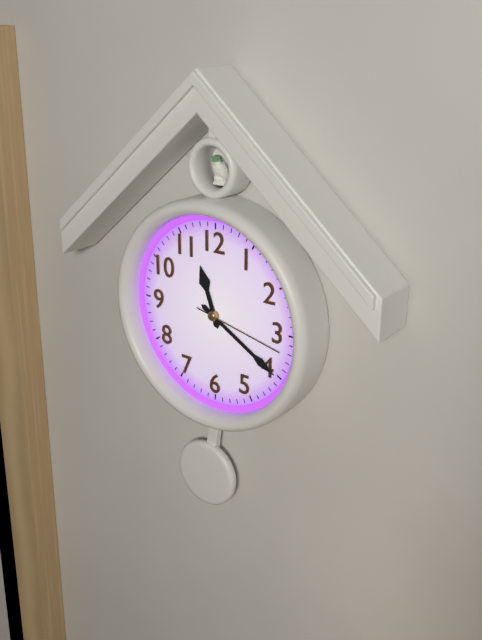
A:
11.20.17
